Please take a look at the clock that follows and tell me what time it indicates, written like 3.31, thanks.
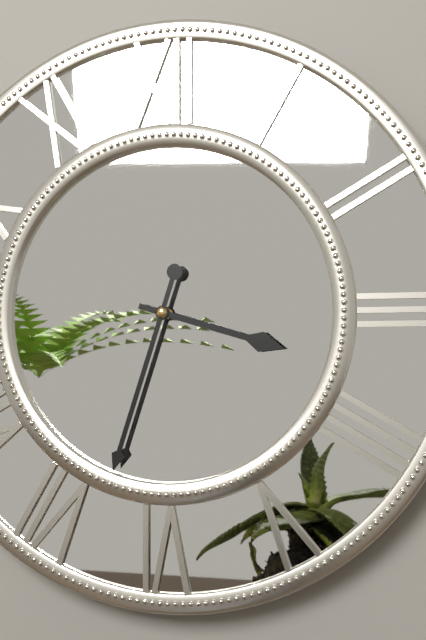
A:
3.33
